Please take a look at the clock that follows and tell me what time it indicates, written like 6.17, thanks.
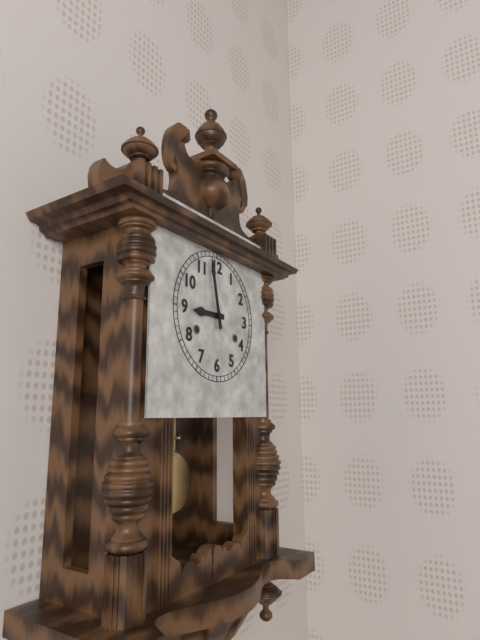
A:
8.58
